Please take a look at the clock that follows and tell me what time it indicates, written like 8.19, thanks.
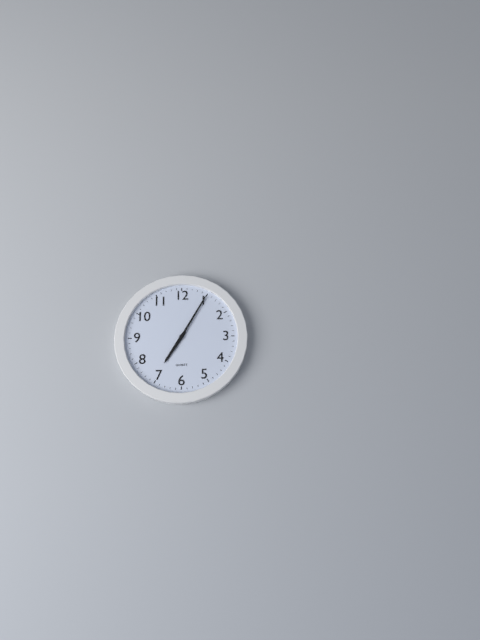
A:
7.05
